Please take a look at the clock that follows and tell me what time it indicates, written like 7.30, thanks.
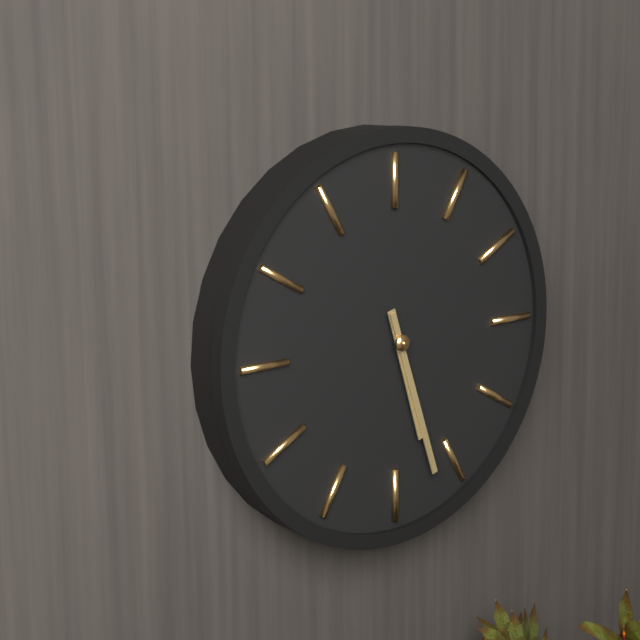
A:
5.27
